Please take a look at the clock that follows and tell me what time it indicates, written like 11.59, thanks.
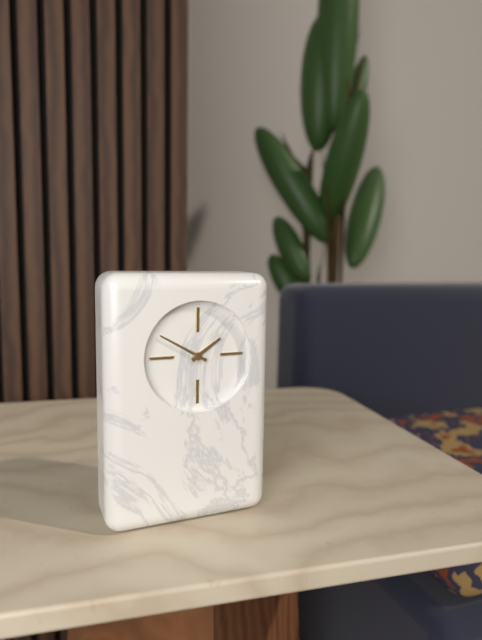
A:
1.50
